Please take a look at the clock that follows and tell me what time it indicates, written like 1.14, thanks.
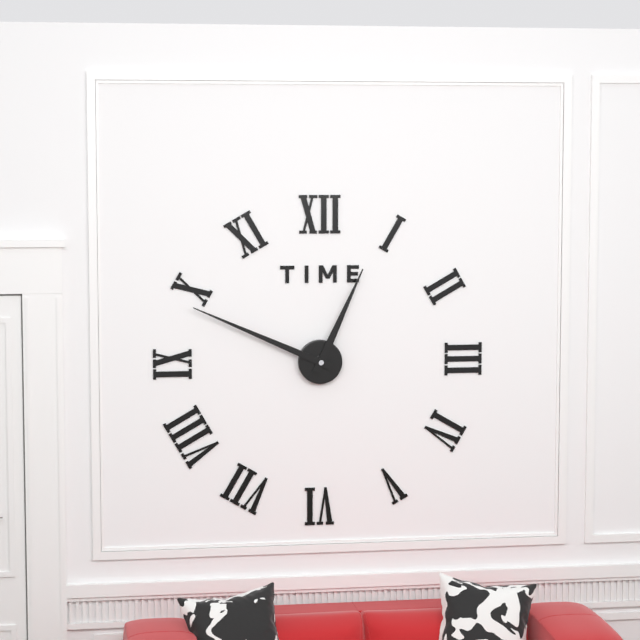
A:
12.49
